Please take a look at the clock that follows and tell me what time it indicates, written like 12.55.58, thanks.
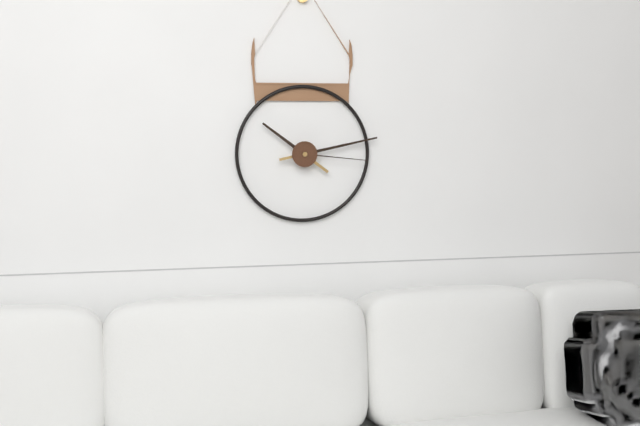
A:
10.13.16
